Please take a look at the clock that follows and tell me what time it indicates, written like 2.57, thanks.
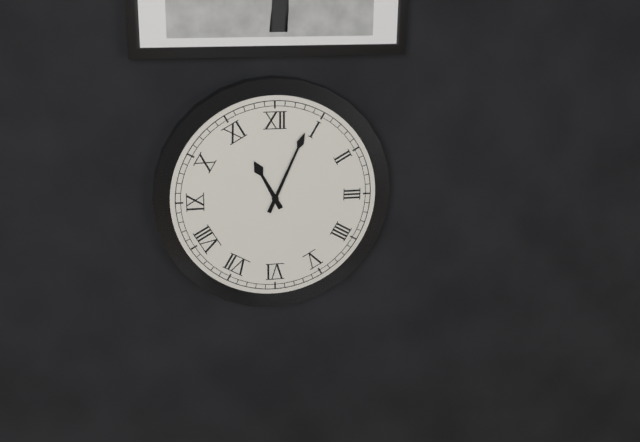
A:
11.04
